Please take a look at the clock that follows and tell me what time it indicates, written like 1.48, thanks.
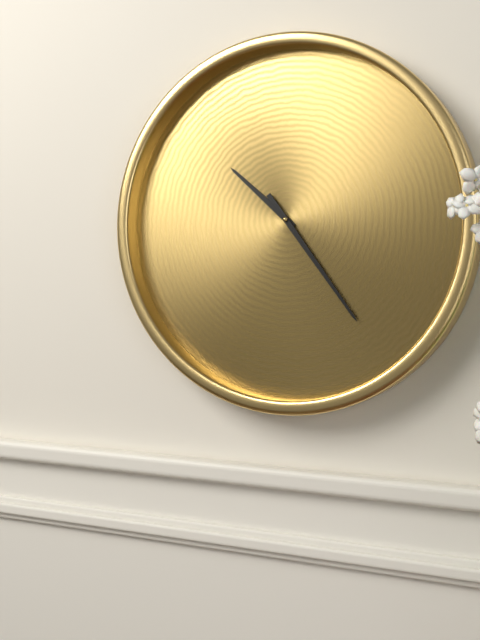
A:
10.24
